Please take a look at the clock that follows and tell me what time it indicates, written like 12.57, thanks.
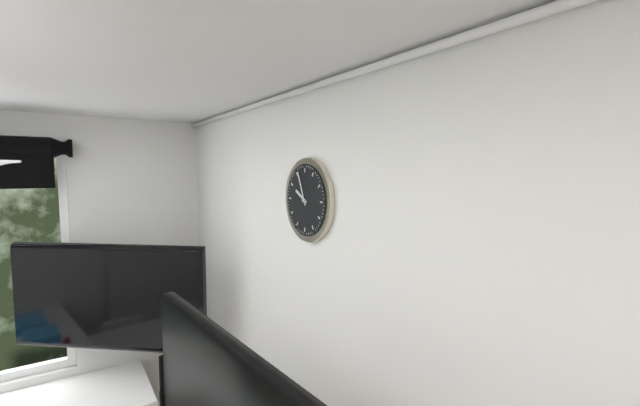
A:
9.56
